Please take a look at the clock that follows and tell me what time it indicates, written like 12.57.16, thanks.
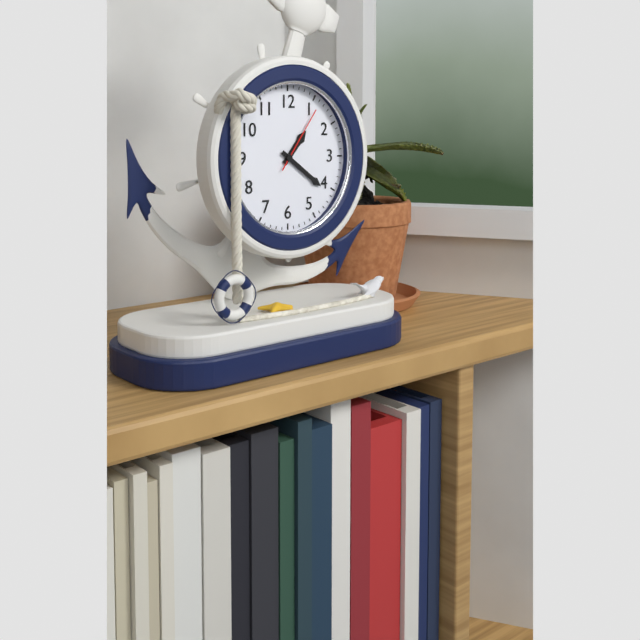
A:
1.21.06
